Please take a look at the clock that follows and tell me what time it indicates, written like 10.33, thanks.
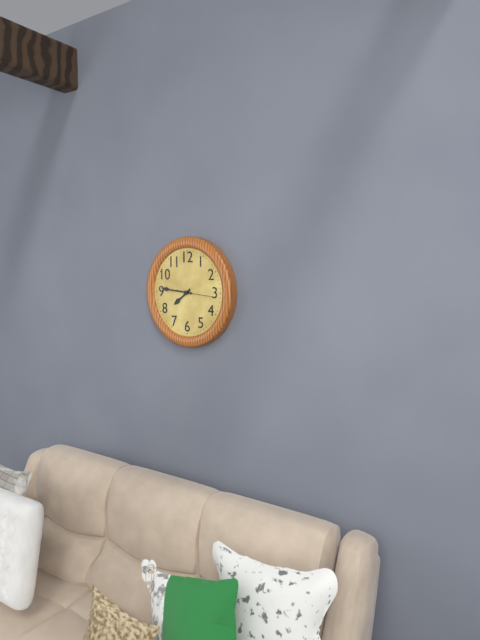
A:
7.46
